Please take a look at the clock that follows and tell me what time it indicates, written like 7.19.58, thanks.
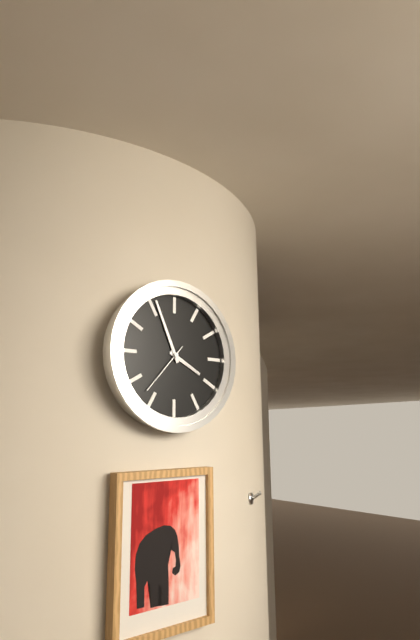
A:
3.56.37
